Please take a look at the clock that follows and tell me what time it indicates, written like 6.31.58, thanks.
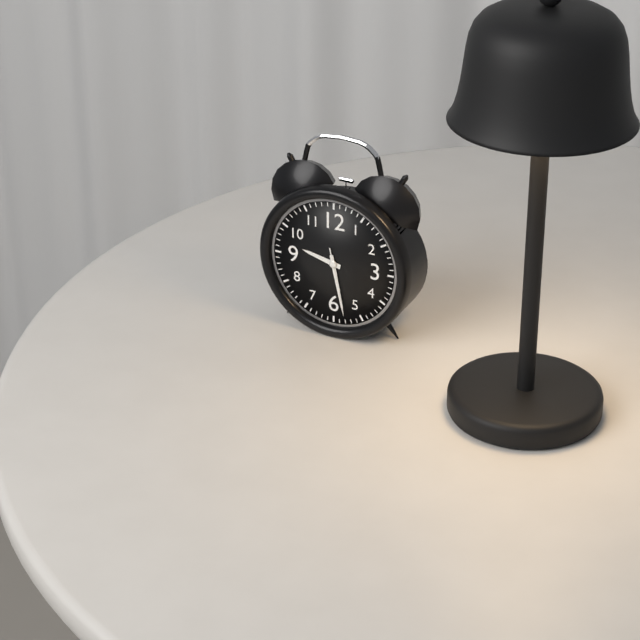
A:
9.28.28
